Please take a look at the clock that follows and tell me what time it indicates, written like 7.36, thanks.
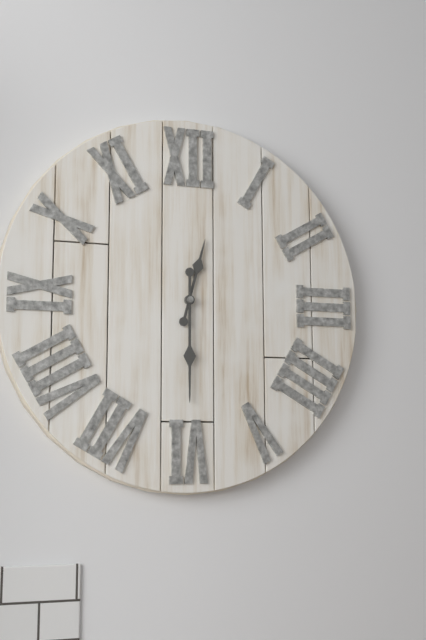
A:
12.30
